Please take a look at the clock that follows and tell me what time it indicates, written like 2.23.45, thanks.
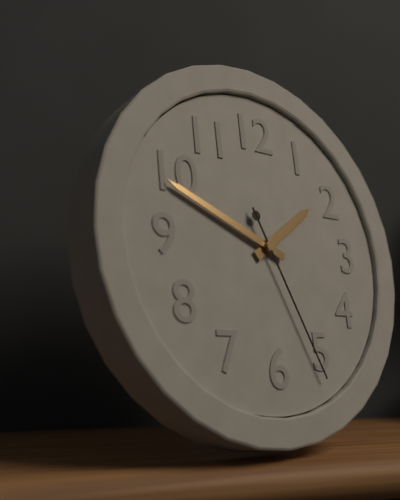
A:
1.49.26
